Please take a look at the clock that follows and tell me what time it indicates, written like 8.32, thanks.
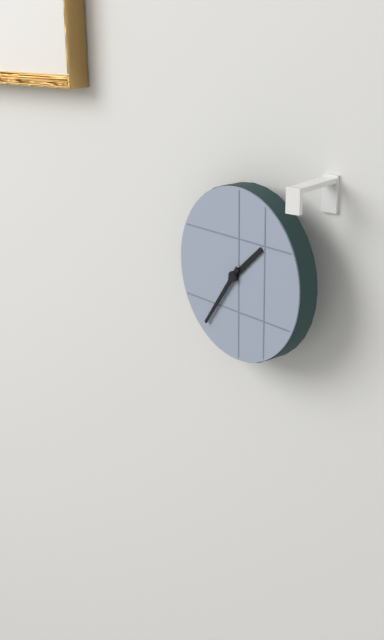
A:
1.36
